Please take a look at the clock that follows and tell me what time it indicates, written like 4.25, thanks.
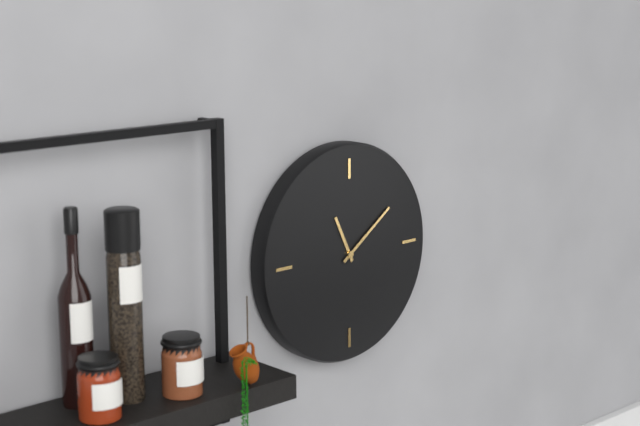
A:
11.09
